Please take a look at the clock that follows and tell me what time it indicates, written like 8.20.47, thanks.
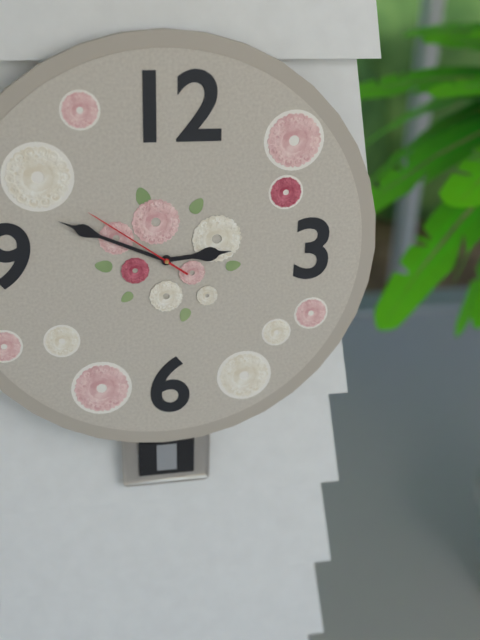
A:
2.49.51
